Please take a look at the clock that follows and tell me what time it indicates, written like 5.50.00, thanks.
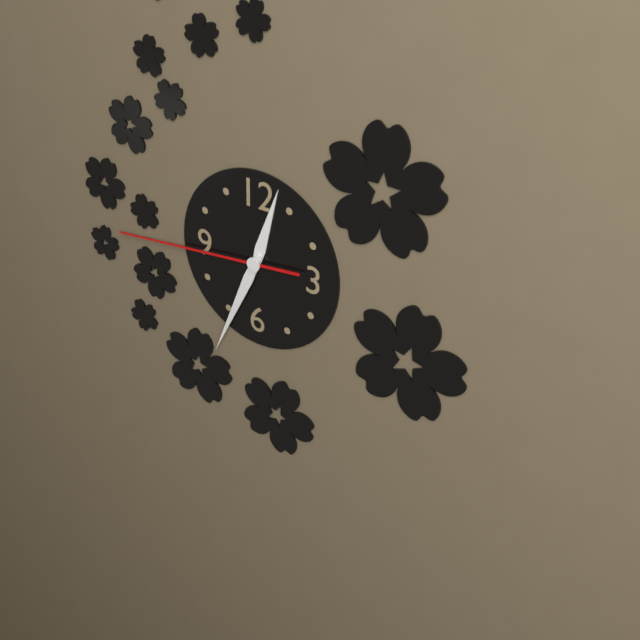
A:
12.34.44
